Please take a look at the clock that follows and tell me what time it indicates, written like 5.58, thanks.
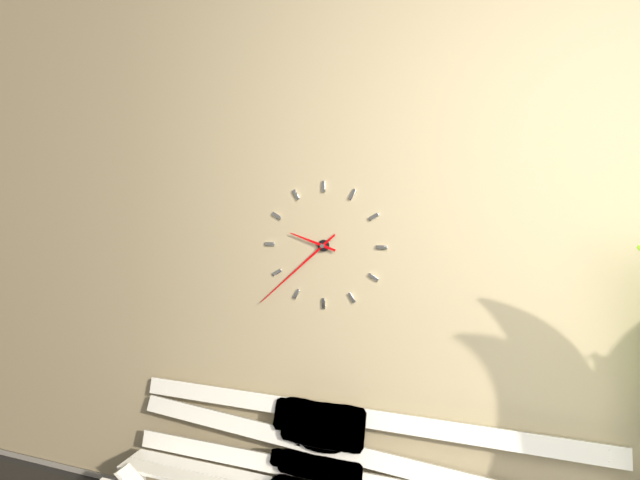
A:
9.38
